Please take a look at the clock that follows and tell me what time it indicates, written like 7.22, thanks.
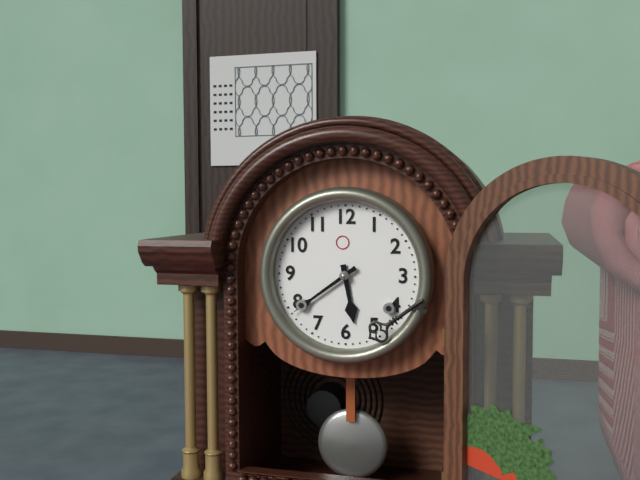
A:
5.39
